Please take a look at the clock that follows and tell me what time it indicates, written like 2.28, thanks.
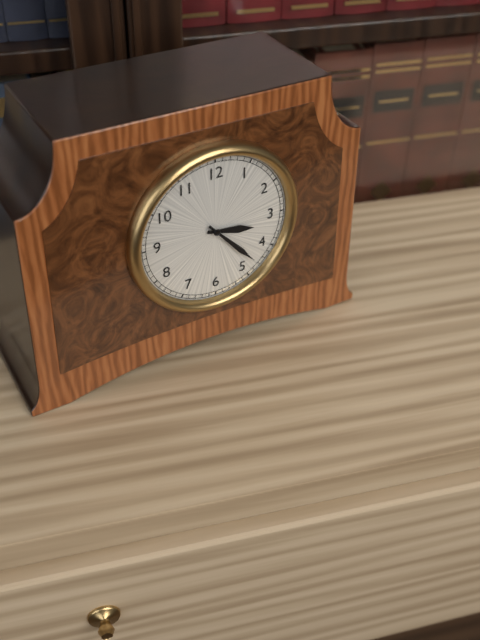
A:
3.23
